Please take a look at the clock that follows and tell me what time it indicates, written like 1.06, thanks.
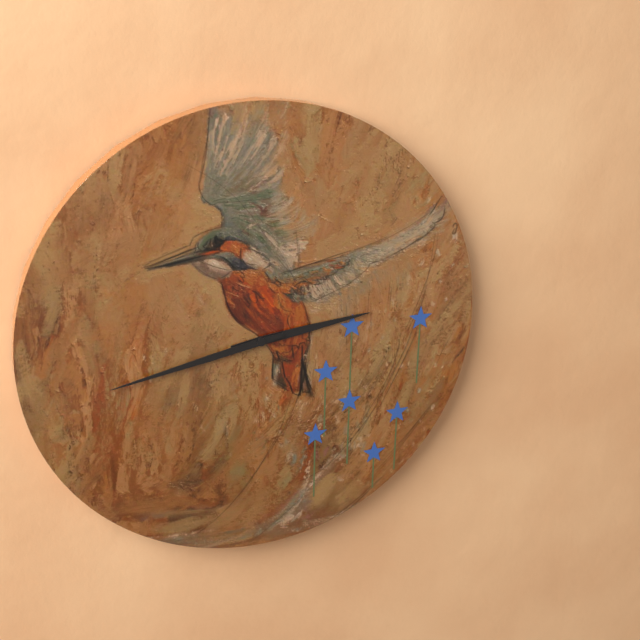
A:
2.43
